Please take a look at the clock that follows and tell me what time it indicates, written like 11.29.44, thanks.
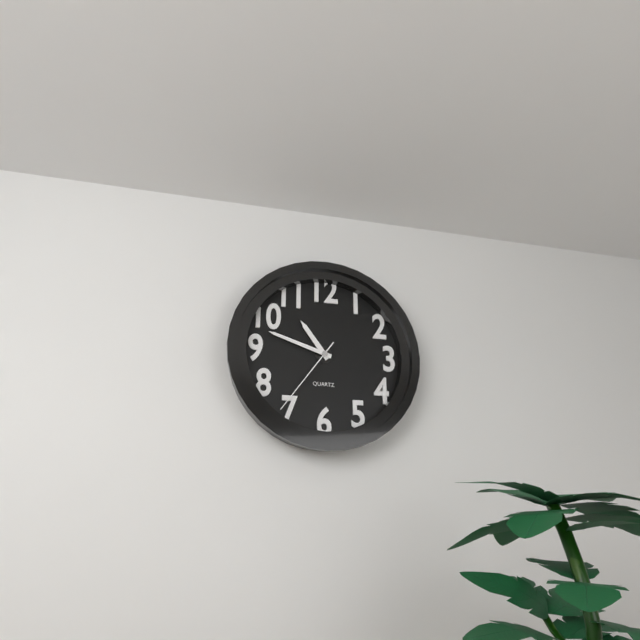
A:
10.48.36
